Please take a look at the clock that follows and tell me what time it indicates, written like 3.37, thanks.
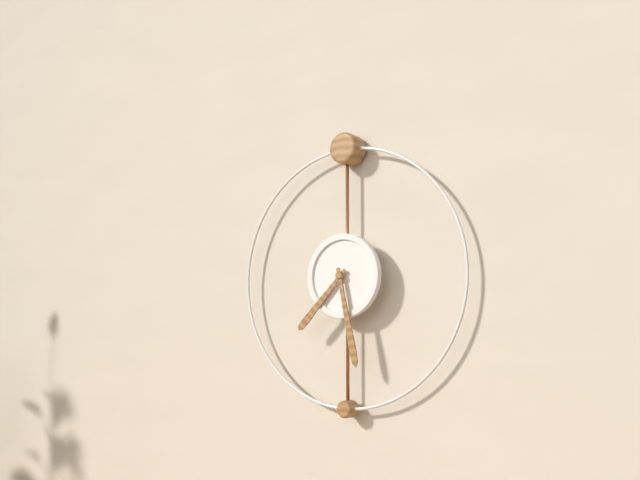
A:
7.28
